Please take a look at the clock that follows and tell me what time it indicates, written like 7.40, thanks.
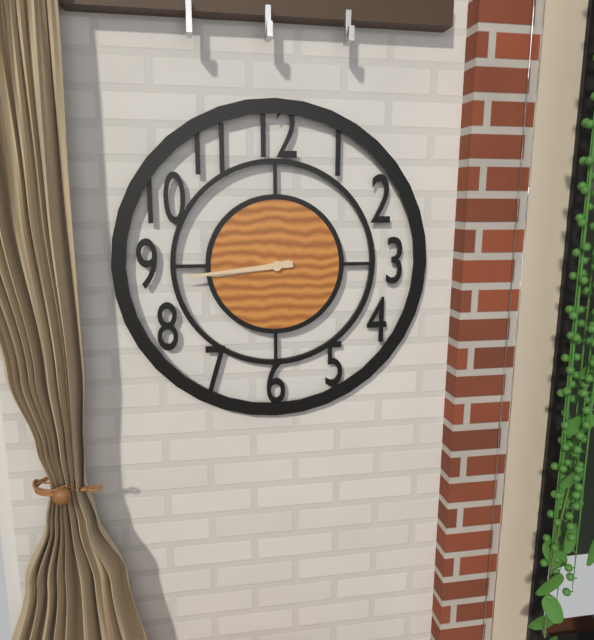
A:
8.44
